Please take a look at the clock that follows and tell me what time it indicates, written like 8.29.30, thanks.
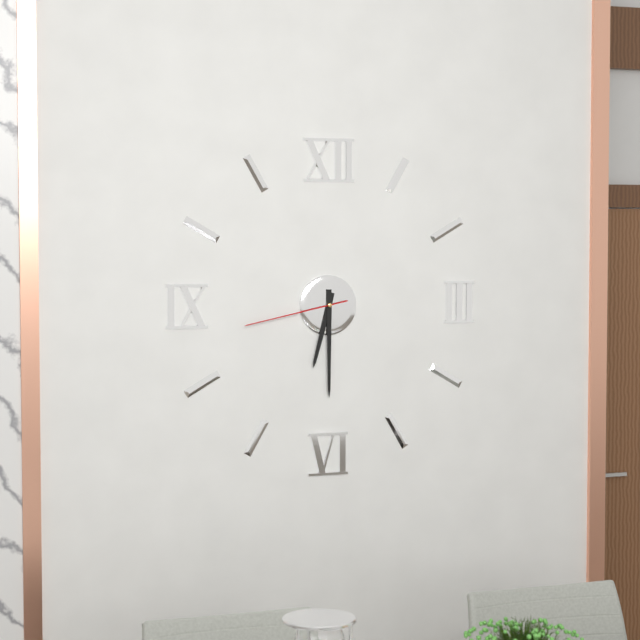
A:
6.30.43
